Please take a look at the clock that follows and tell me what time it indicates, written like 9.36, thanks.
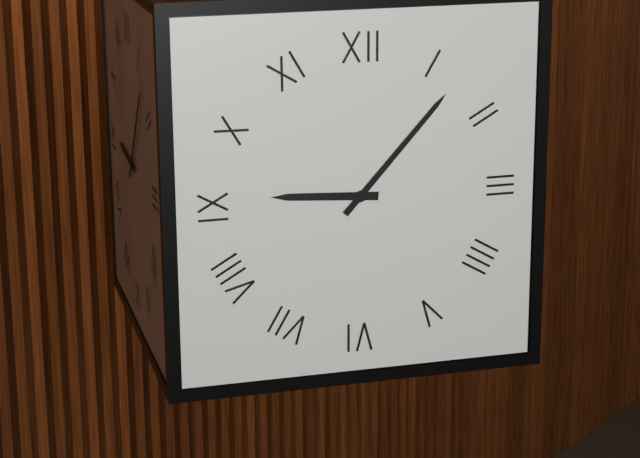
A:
9.07
